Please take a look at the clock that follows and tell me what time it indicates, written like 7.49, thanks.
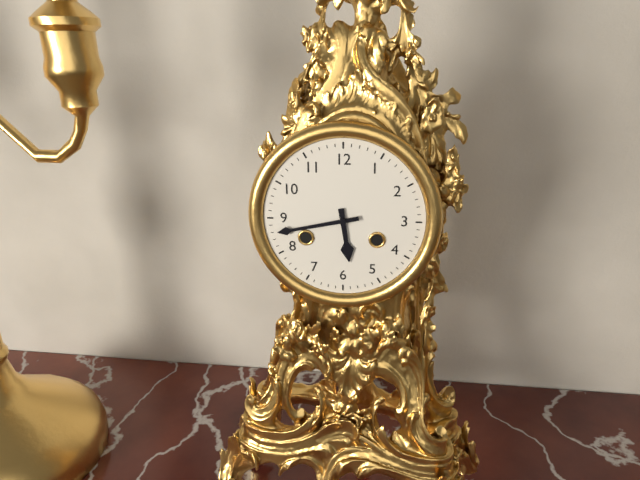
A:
5.43
